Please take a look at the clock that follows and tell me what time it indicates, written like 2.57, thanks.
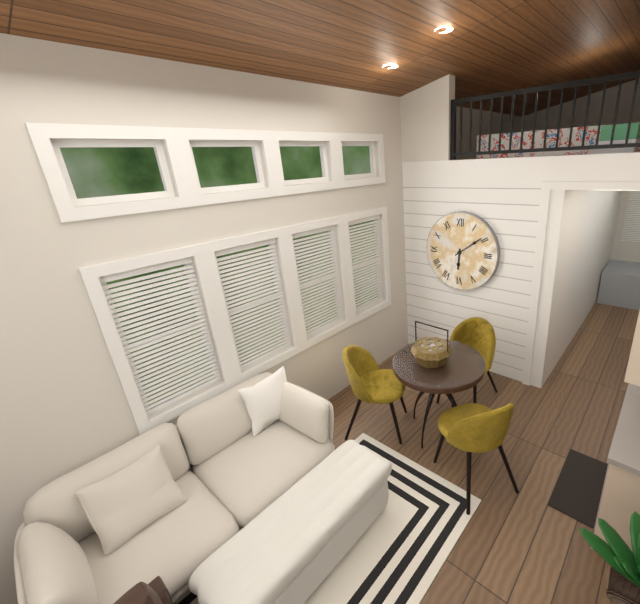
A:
6.09
